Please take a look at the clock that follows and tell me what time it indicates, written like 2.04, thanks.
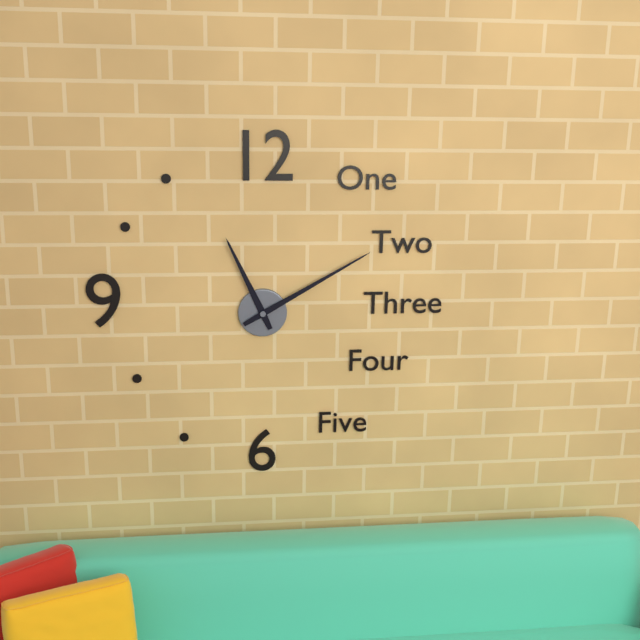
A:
11.10
